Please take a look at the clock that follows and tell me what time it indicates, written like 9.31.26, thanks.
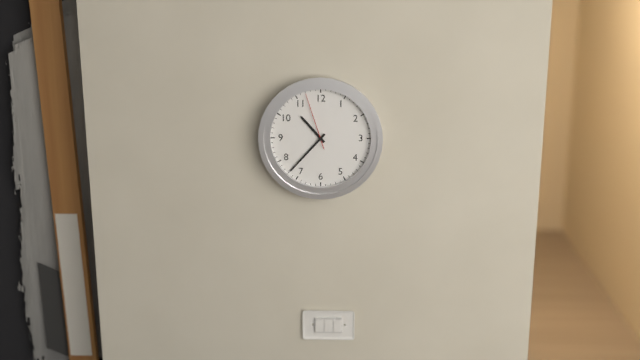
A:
10.37.57
